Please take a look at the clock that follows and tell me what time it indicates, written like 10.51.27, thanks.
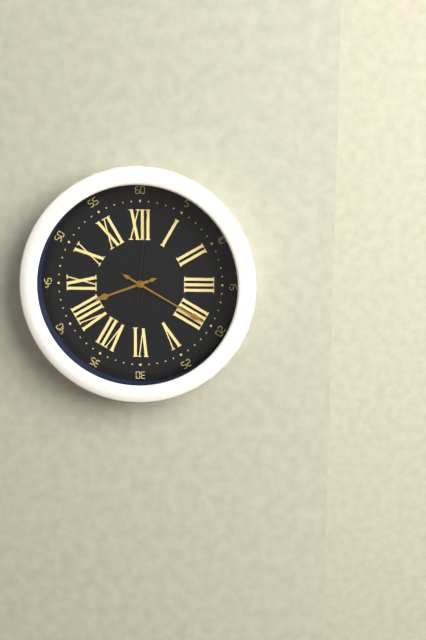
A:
8.20.01
